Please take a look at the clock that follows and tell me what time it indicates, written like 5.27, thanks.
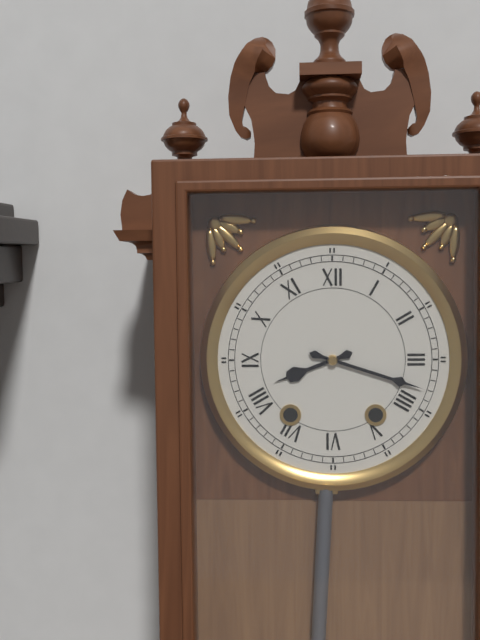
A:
8.18
